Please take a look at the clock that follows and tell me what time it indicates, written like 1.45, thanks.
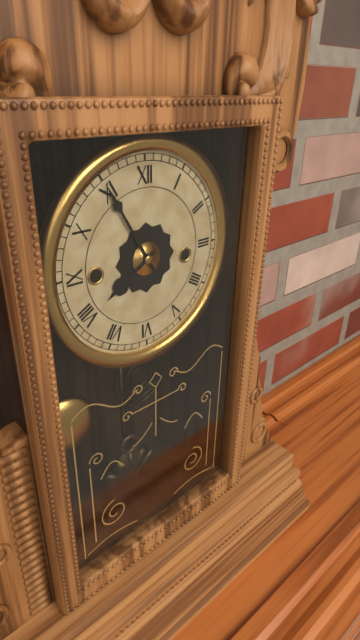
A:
7.55
